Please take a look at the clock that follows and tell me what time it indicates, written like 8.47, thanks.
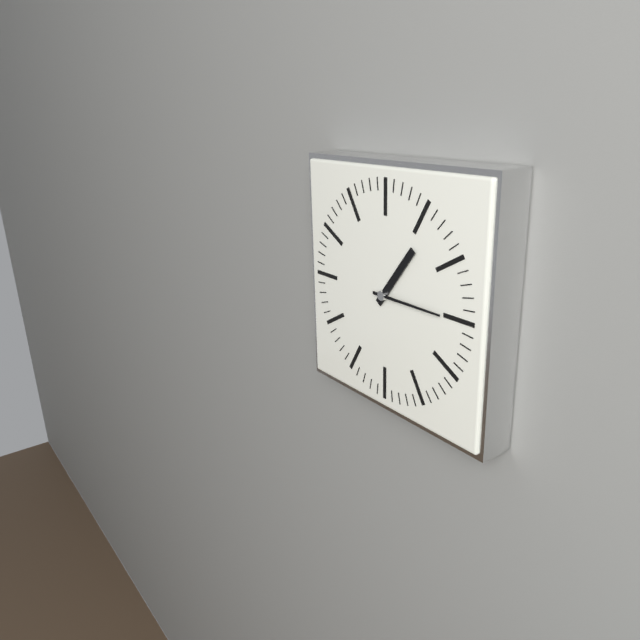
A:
1.15
